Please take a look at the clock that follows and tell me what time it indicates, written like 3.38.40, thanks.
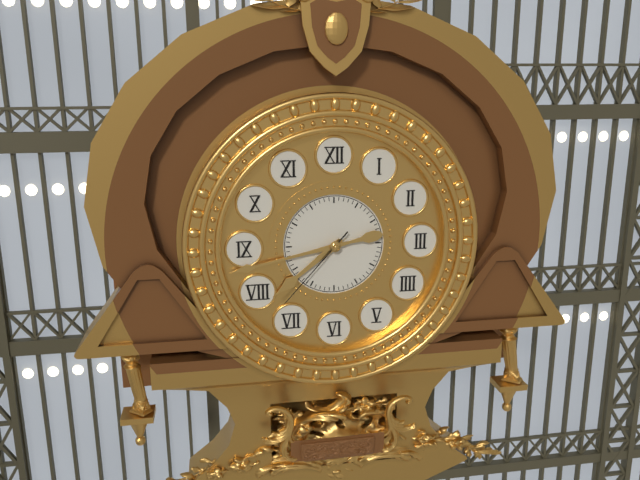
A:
7.43.37
